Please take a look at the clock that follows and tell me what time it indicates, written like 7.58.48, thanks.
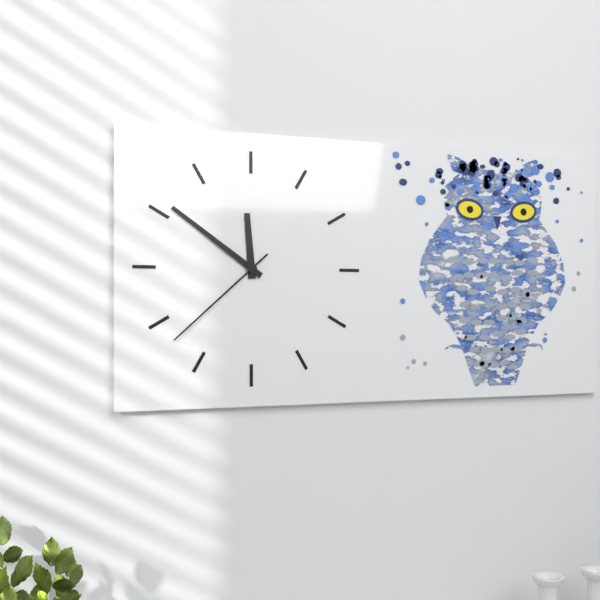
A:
11.51.38
